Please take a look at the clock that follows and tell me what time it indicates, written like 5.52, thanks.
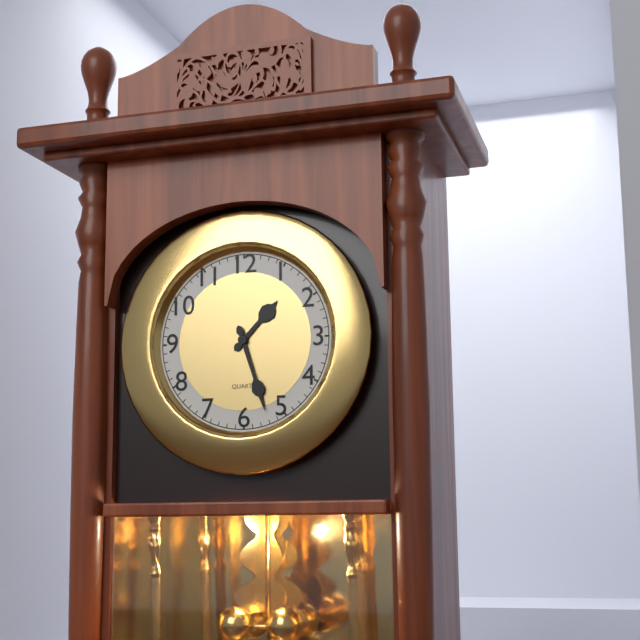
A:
1.27
